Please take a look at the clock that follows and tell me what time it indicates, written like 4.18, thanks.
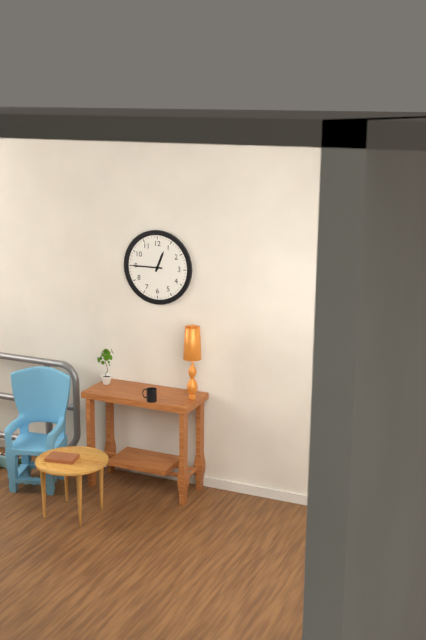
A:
12.45
